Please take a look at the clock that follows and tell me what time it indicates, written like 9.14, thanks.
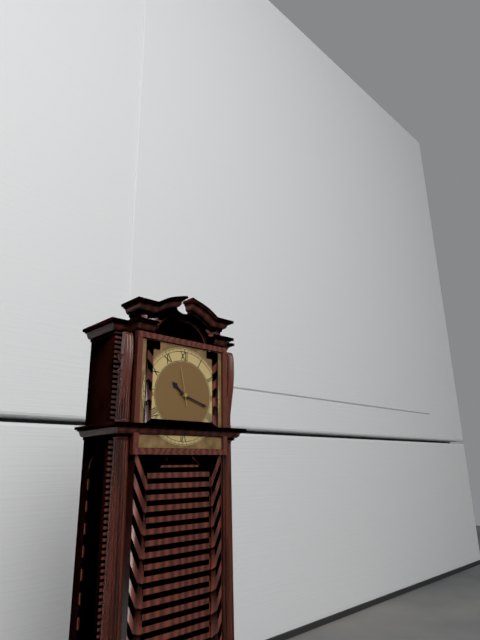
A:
10.18
